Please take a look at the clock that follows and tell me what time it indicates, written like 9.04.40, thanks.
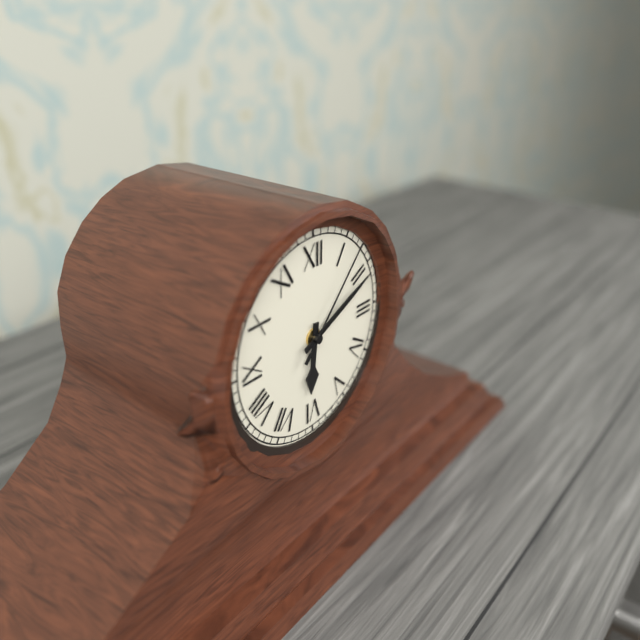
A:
6.11.07
